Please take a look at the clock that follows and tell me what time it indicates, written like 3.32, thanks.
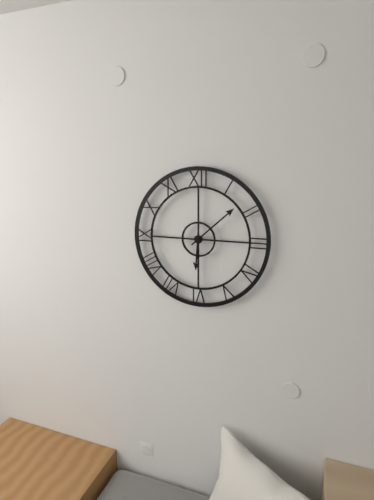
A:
6.08
